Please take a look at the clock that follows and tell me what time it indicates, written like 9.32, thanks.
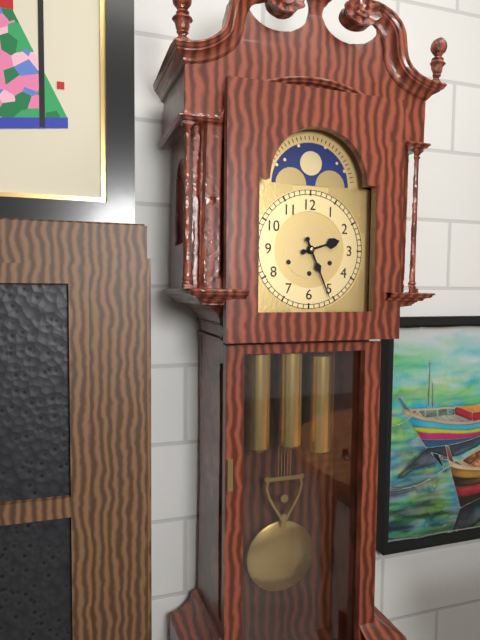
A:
2.26
